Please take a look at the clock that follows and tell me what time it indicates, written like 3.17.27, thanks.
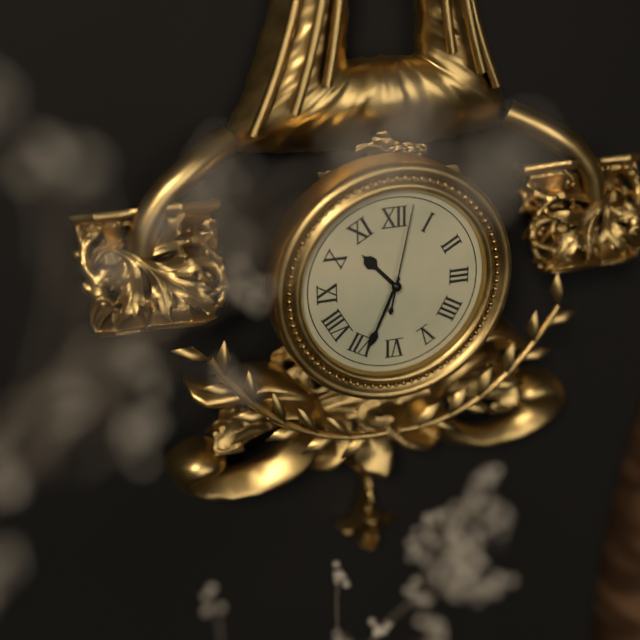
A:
10.34.02
